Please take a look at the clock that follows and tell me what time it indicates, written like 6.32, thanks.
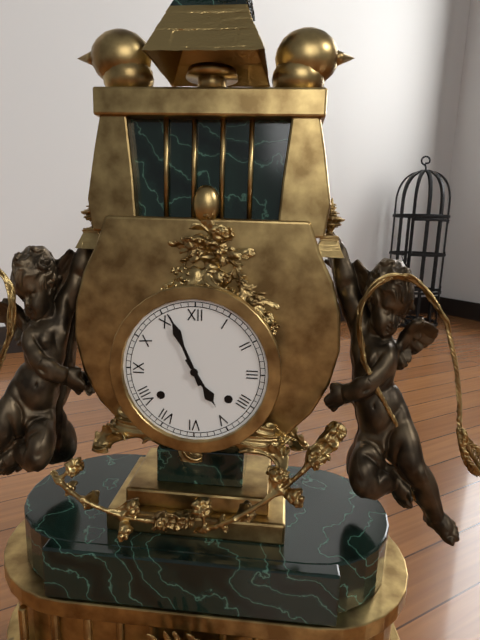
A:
4.56
